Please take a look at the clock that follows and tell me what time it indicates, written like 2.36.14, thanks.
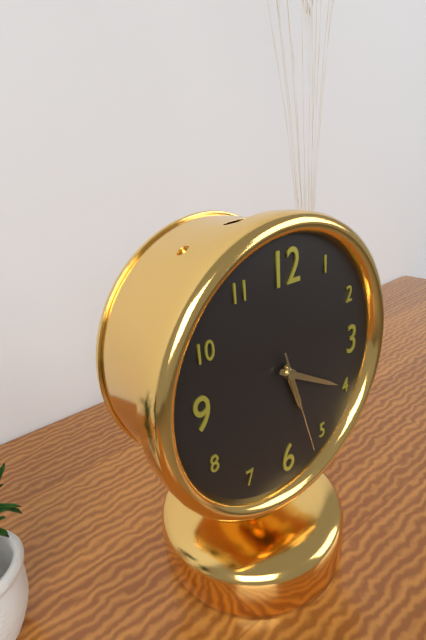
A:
5.20.27
